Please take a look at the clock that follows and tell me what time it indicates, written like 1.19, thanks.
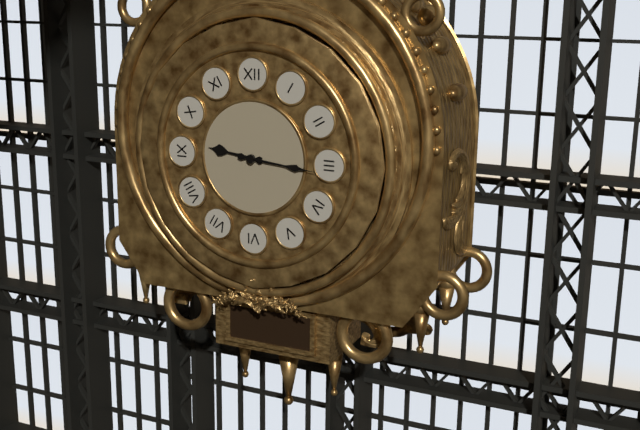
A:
9.16
